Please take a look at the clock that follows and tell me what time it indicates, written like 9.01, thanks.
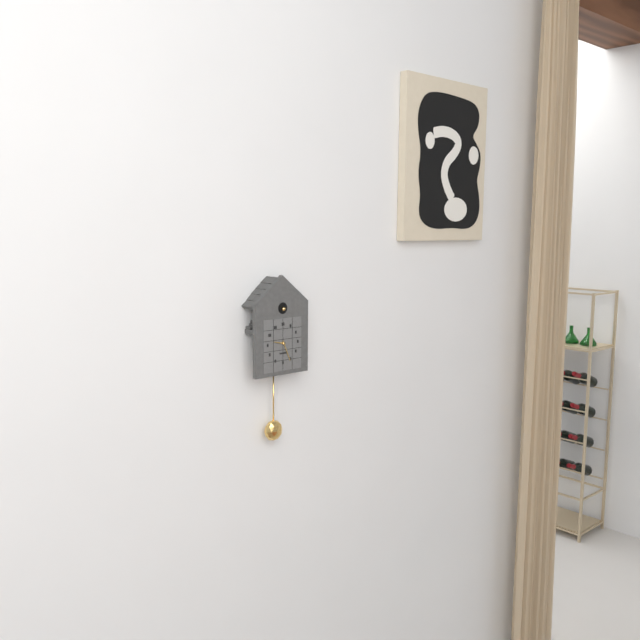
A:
9.26
